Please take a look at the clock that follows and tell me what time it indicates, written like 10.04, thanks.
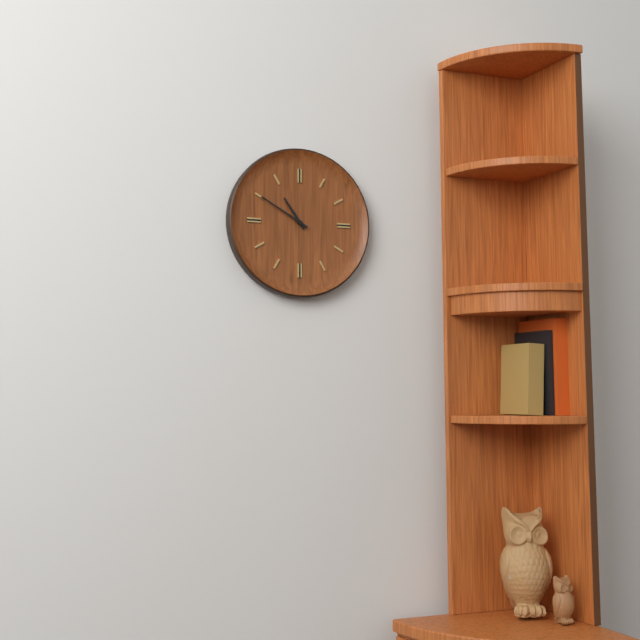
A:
10.50
